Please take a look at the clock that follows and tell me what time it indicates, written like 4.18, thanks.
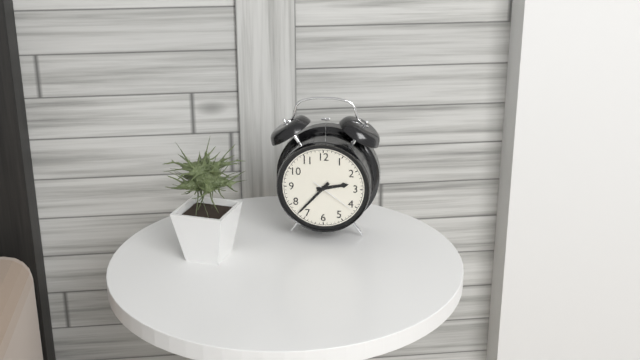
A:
2.37
